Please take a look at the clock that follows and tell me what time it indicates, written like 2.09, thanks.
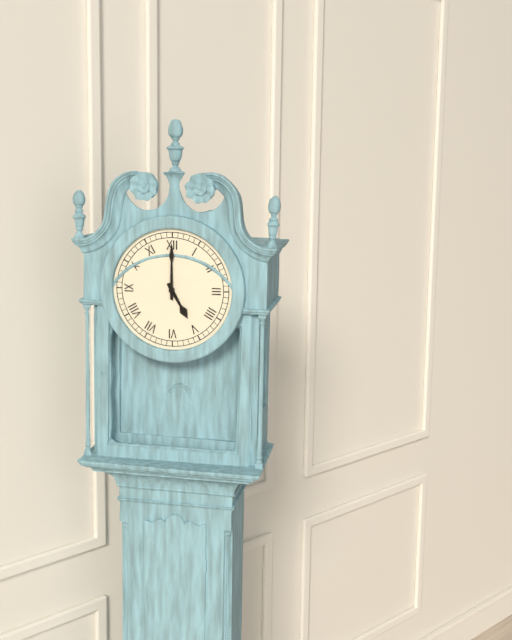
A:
5.00
